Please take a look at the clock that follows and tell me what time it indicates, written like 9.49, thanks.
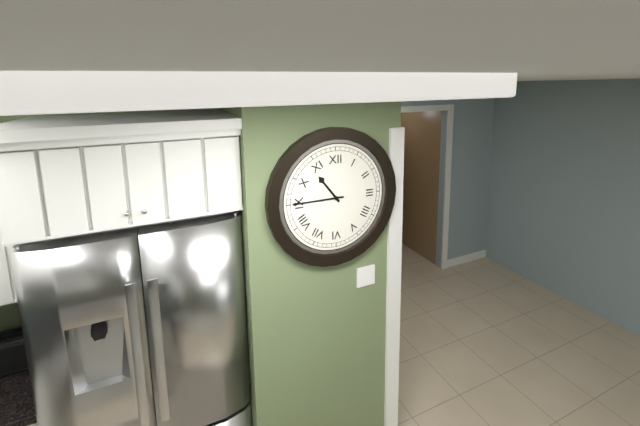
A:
10.45
